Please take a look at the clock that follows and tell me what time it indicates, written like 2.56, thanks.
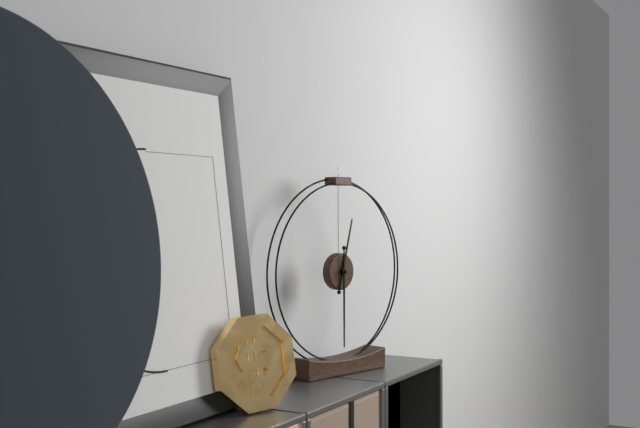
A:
12.30
